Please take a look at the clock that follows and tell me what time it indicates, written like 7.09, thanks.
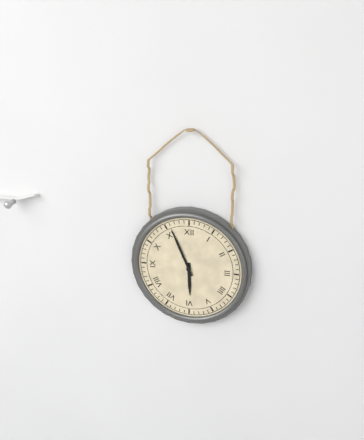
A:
5.56
